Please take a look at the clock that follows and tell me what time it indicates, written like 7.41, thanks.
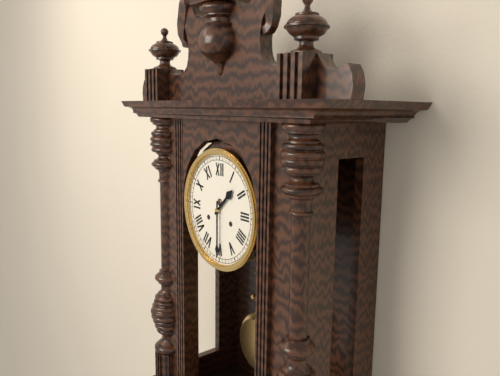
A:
1.30
